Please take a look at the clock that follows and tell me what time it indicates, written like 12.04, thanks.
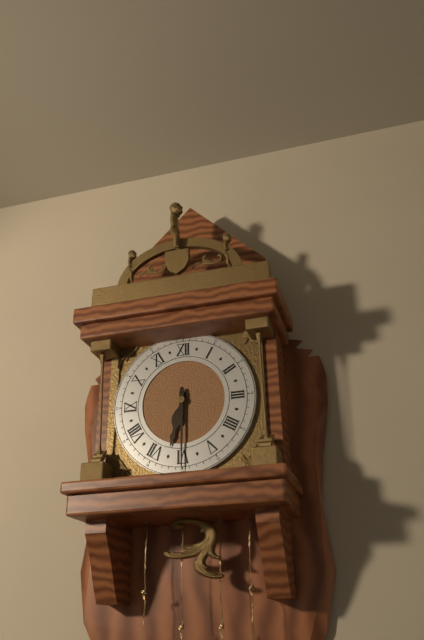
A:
6.30
